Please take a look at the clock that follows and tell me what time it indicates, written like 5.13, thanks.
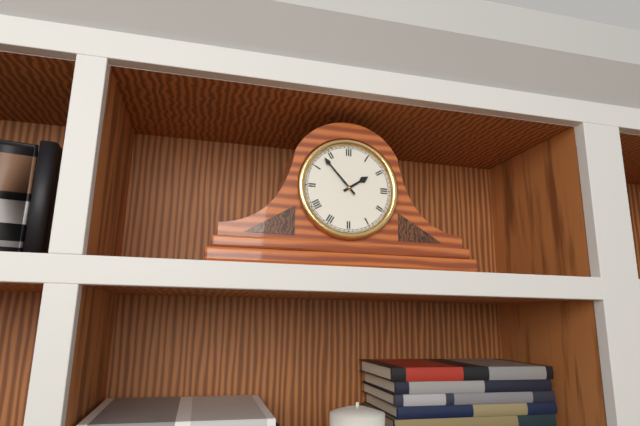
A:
1.53
